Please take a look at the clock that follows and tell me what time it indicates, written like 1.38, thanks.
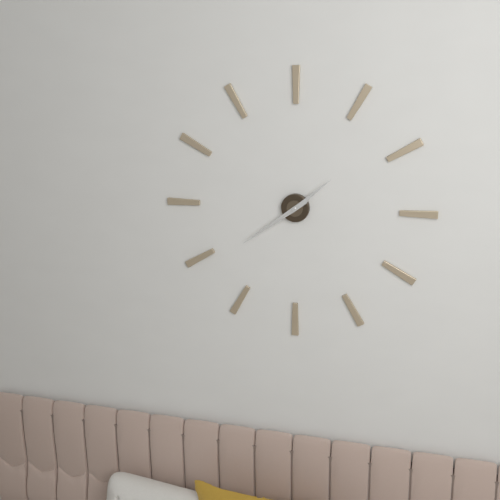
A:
1.39
